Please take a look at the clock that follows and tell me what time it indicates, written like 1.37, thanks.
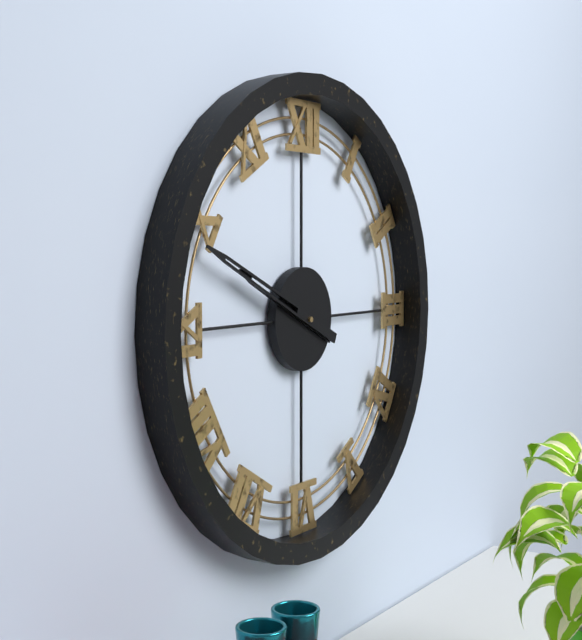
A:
9.49
